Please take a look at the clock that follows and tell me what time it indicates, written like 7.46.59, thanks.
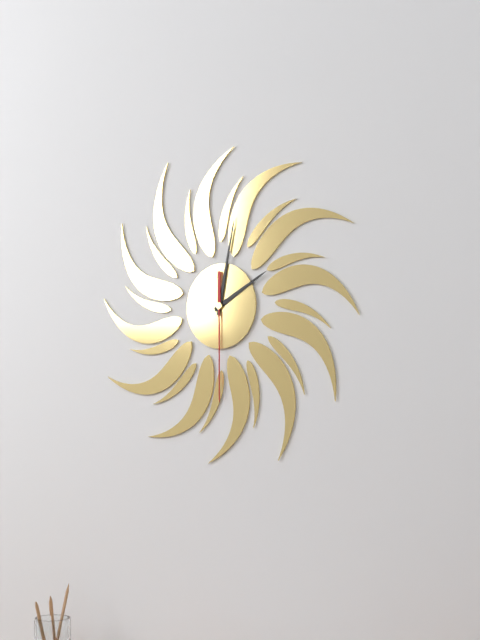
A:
2.02.30
